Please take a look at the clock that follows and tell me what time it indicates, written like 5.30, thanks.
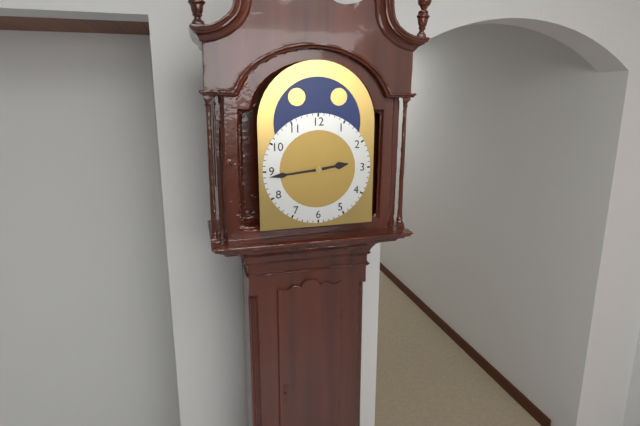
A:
2.44
